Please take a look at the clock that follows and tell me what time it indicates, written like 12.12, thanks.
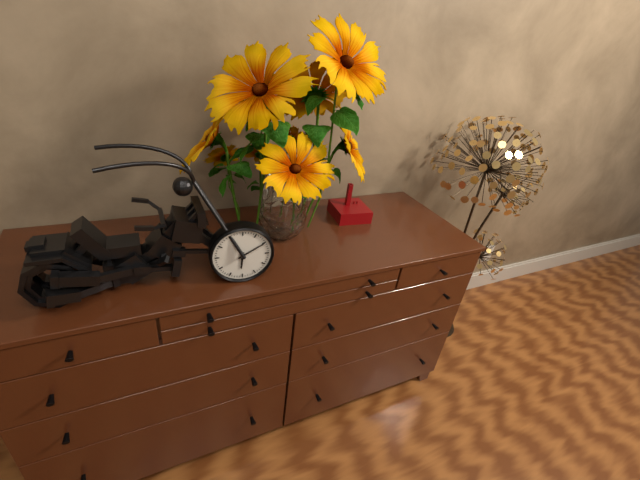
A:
6.10
